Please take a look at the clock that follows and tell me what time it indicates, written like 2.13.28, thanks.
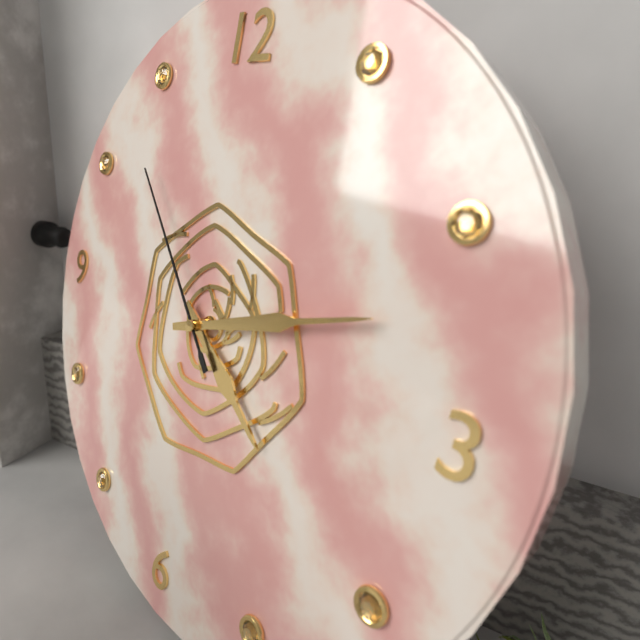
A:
4.12.53
